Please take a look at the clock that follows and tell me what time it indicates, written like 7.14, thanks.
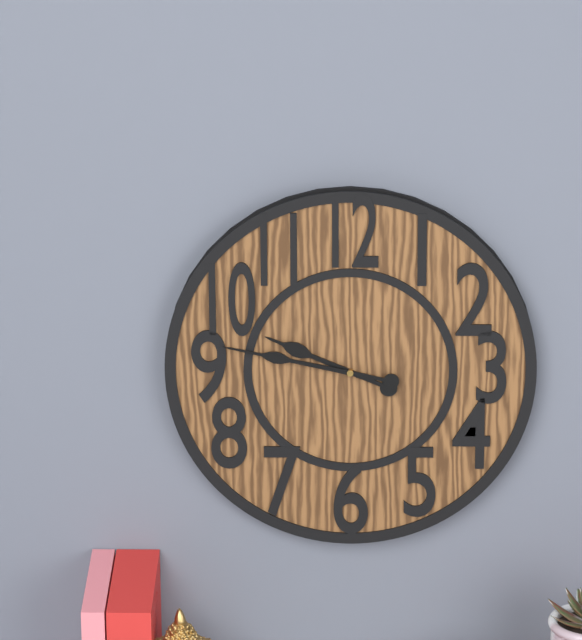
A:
9.47
